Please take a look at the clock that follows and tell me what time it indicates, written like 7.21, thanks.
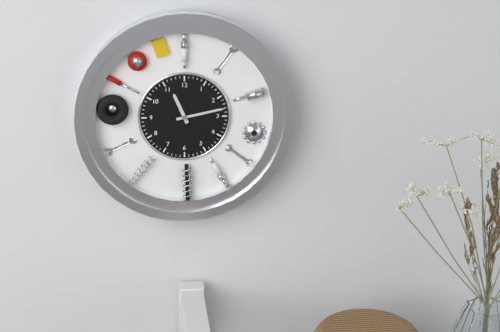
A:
11.13
